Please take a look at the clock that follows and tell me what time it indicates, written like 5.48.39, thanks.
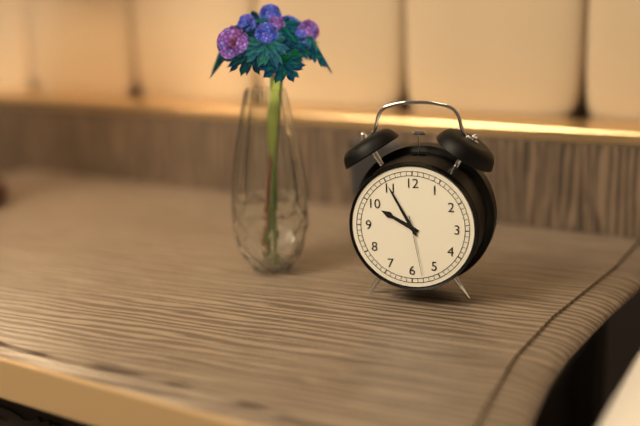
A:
9.55.28
